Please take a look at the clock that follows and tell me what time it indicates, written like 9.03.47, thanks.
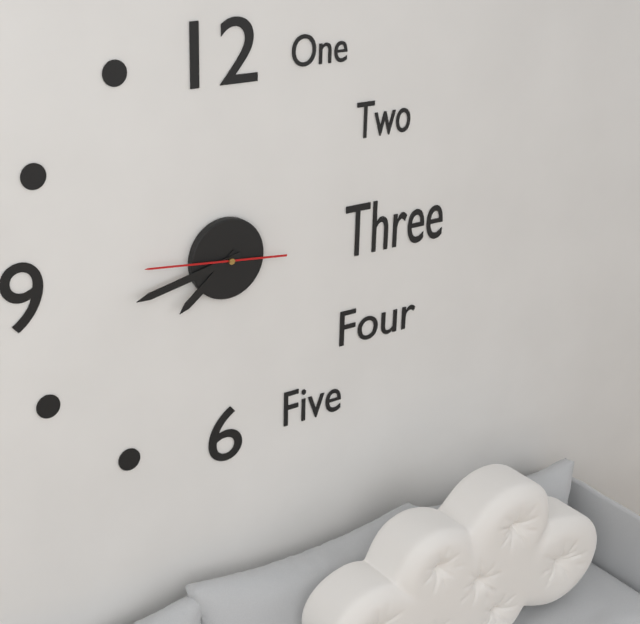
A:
7.43.46
